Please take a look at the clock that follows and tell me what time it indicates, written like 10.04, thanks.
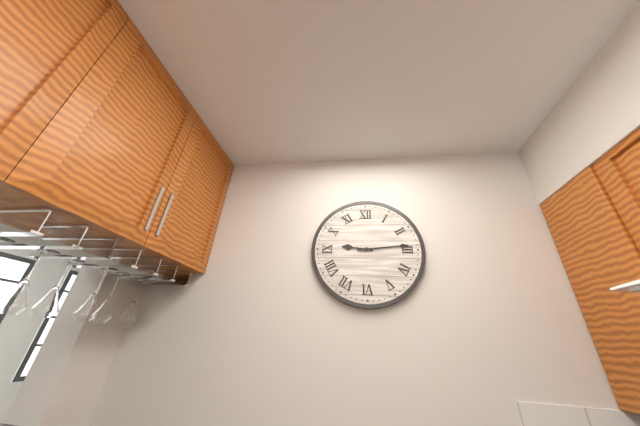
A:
9.14
